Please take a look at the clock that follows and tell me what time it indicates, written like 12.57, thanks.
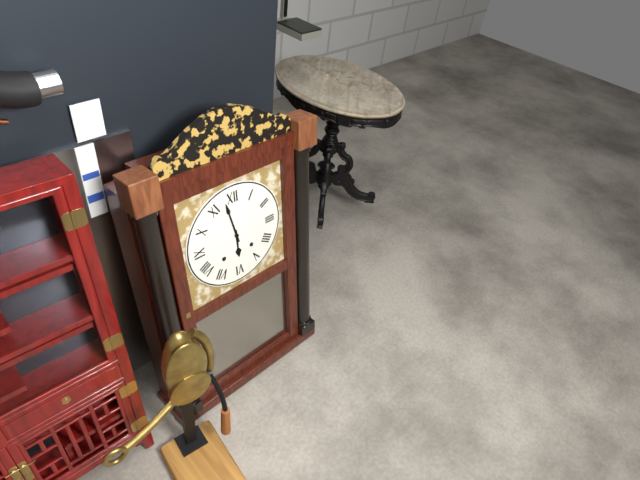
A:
5.58
